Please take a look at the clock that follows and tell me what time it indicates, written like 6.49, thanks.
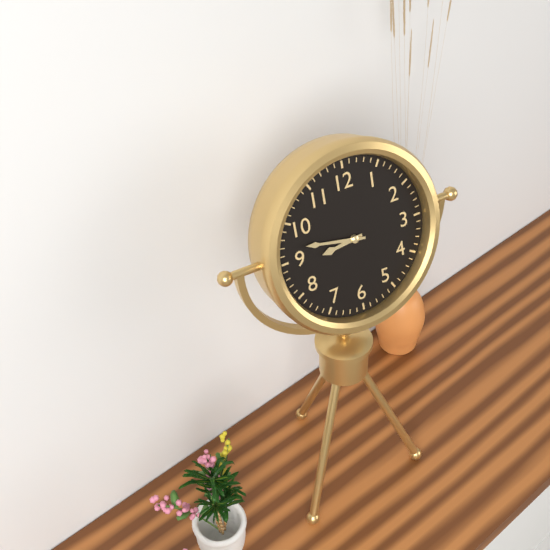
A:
8.47
